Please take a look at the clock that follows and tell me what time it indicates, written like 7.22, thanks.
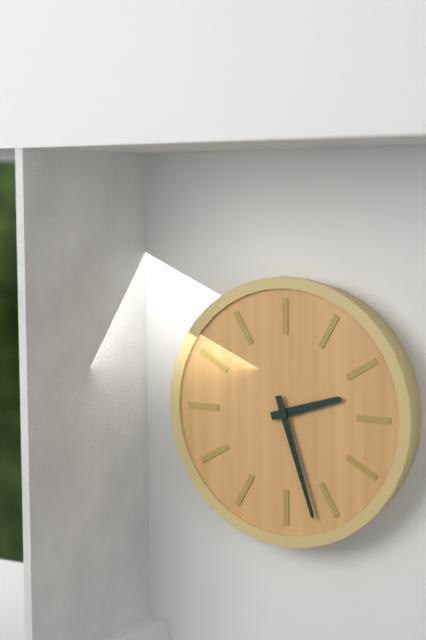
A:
2.27
